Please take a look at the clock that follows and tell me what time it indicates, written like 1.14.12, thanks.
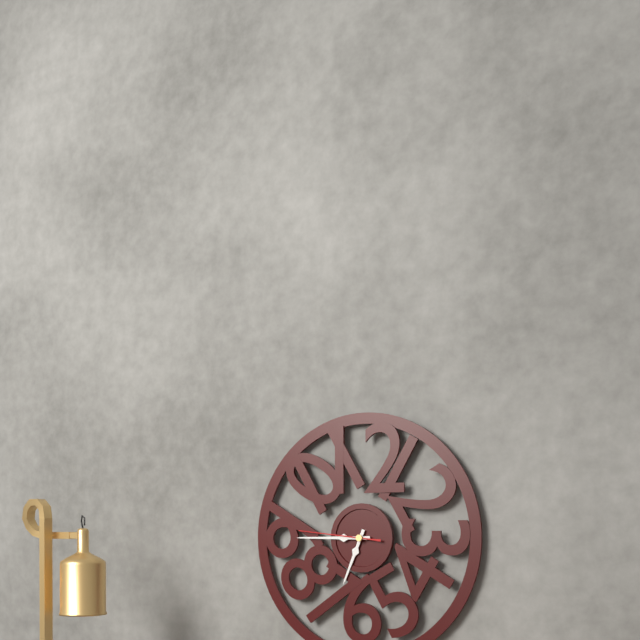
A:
6.45.46
